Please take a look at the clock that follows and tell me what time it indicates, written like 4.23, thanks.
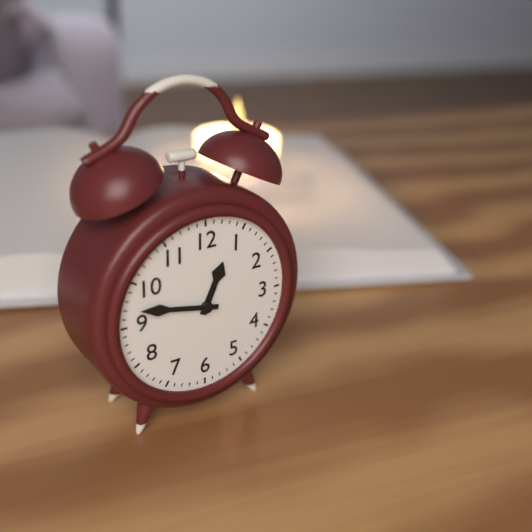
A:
12.47
